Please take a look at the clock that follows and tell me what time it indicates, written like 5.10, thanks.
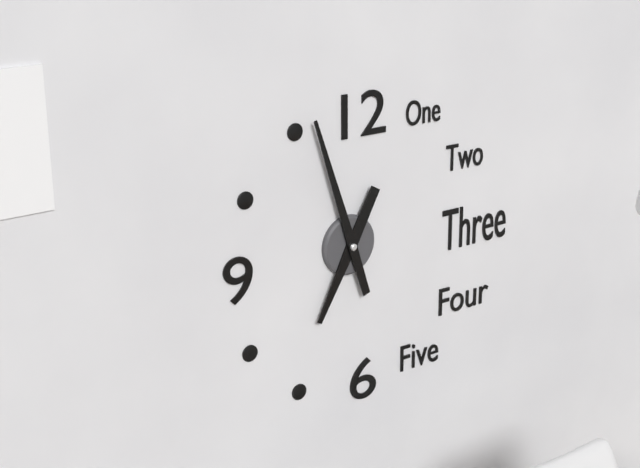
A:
6.57
